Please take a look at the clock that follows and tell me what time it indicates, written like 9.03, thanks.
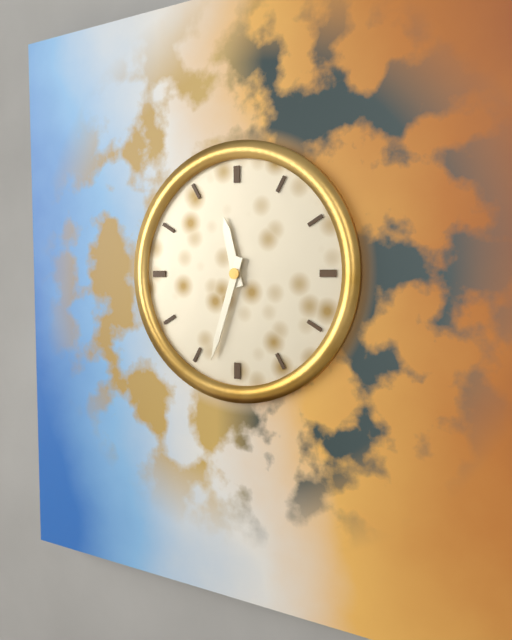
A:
11.33
